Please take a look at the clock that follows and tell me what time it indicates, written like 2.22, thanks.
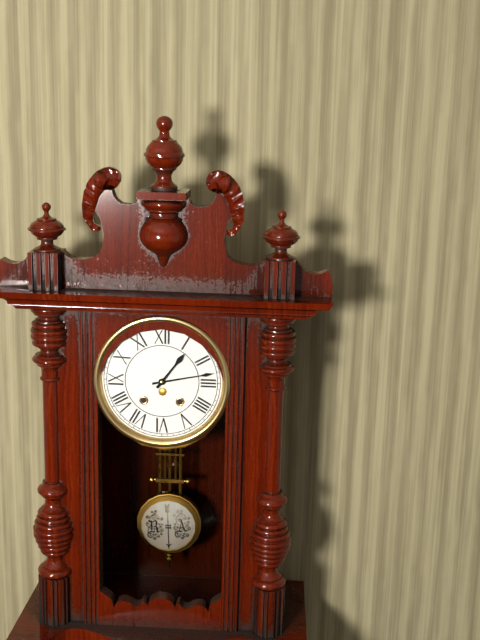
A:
1.13
